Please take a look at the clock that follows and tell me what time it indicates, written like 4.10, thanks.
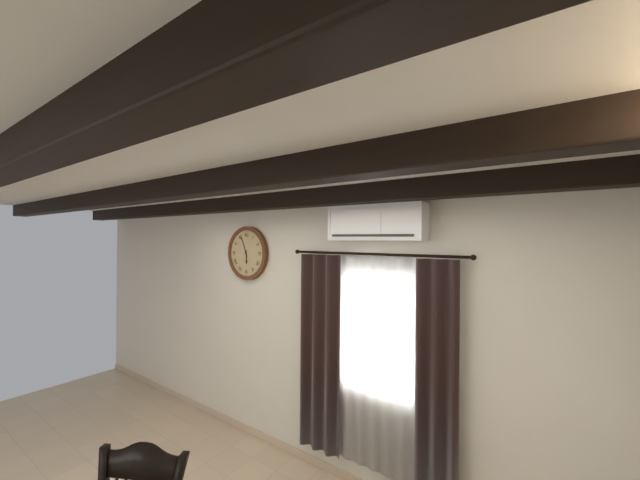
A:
5.56
